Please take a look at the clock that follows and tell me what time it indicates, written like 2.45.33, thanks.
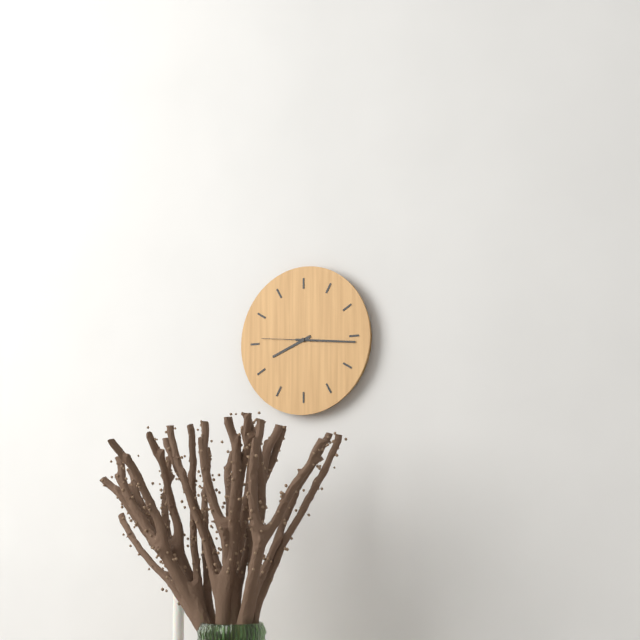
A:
8.16.46
